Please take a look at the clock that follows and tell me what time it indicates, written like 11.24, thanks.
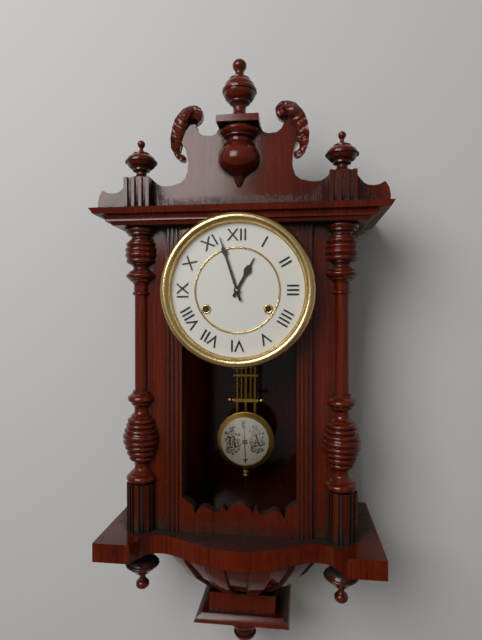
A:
12.57
